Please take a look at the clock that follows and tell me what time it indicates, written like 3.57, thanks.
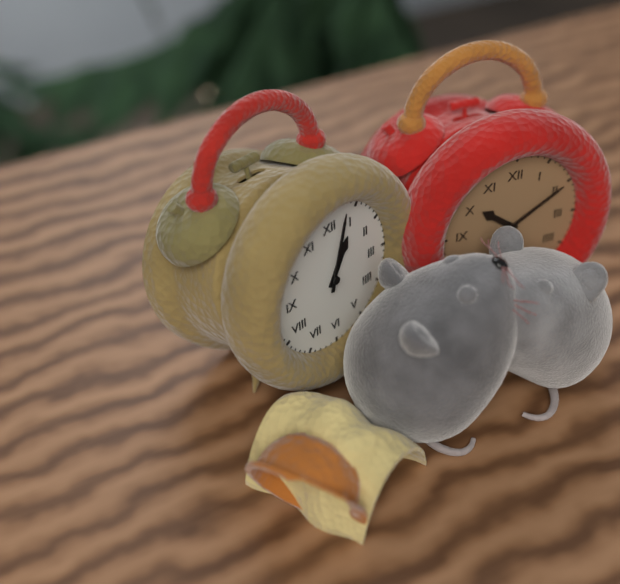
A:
1.03
